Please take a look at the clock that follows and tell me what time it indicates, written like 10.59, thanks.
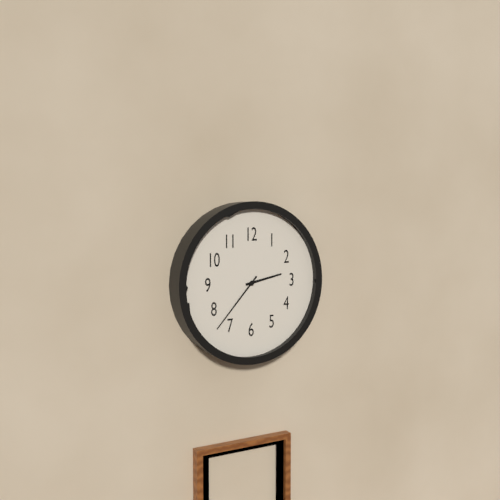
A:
2.37
